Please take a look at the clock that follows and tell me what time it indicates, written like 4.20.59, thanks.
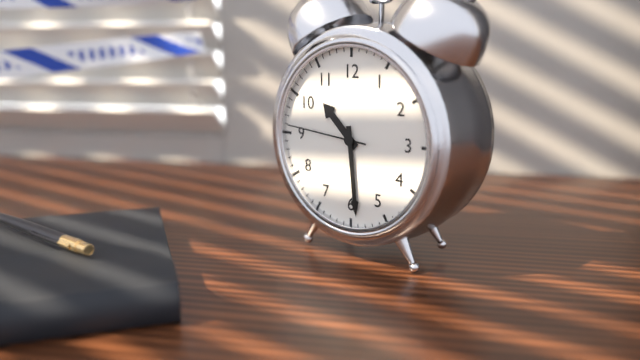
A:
10.29.46
